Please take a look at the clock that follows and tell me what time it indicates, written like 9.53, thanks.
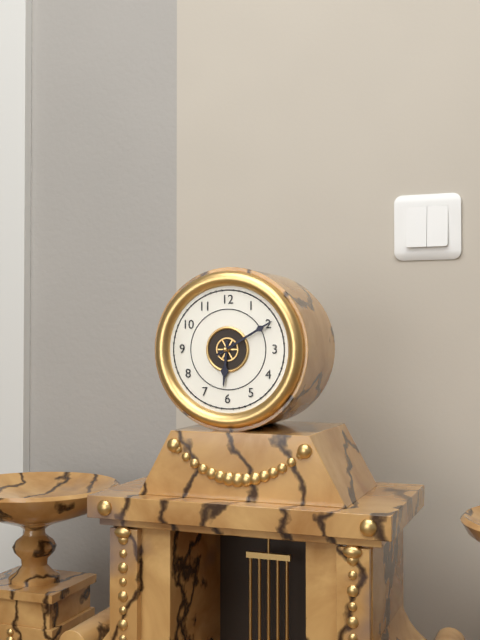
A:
6.10
